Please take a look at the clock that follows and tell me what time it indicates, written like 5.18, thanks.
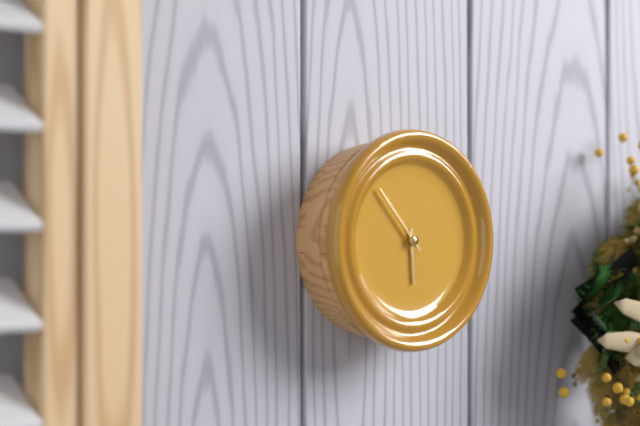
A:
5.53
